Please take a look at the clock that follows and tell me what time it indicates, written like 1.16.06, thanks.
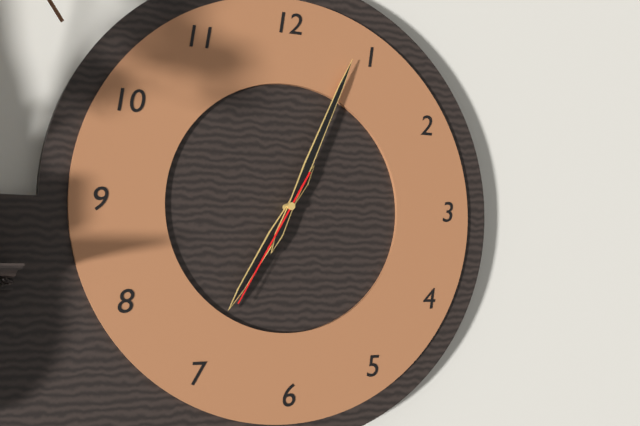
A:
7.04.35
